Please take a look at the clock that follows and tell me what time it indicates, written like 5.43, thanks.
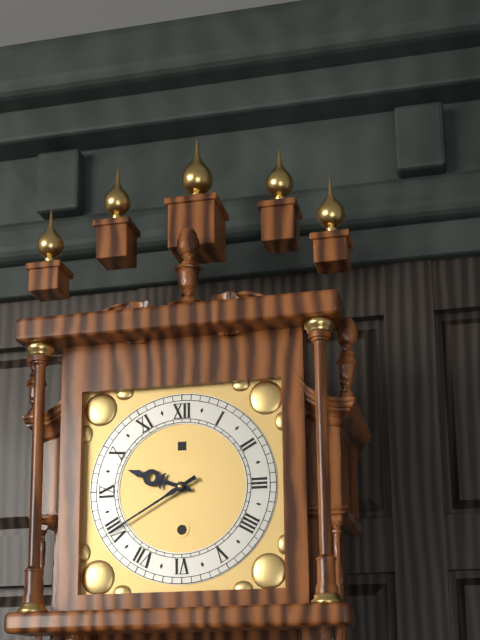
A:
9.40
